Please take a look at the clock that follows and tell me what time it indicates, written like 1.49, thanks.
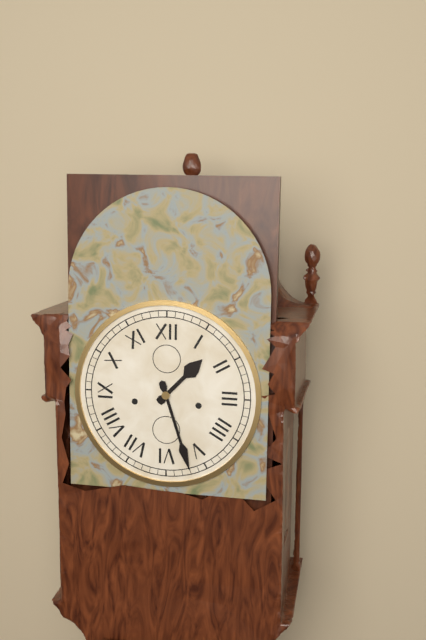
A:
1.27
